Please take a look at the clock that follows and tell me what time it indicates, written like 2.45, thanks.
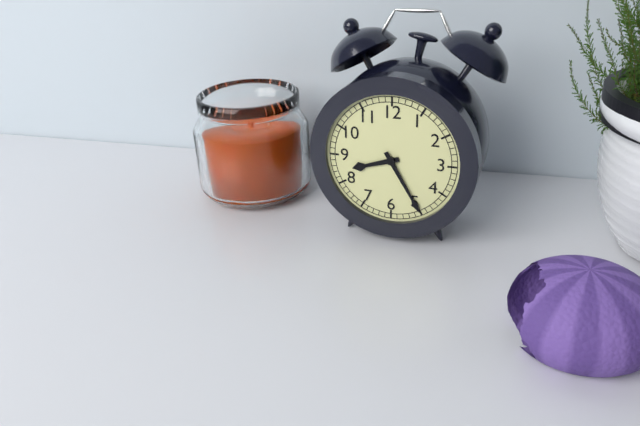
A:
8.25
